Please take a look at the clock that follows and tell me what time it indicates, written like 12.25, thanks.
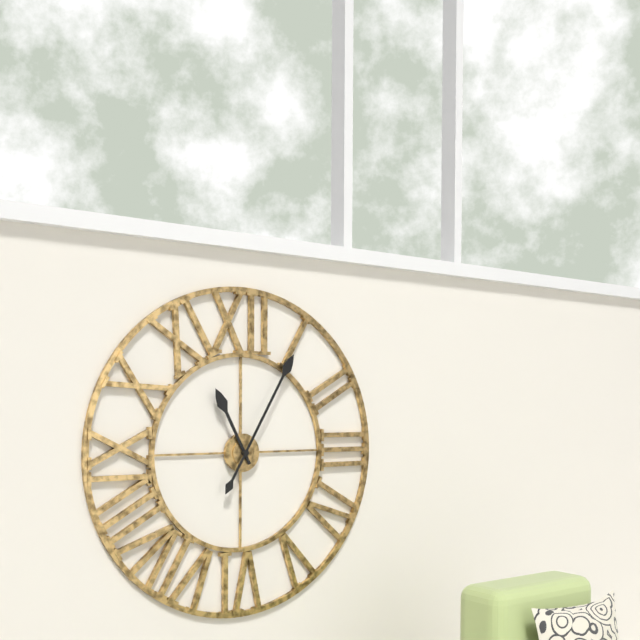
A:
11.05
